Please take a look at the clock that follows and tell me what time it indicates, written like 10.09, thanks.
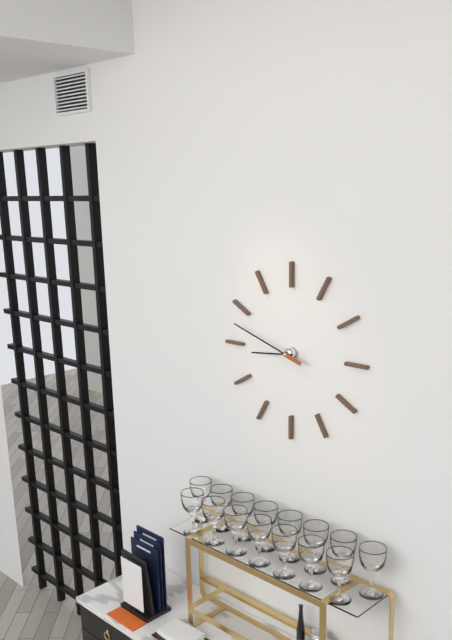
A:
8.48
